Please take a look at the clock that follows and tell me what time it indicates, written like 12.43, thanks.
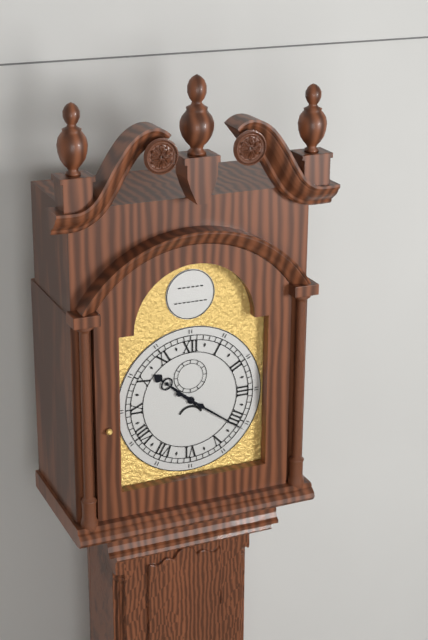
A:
10.21
